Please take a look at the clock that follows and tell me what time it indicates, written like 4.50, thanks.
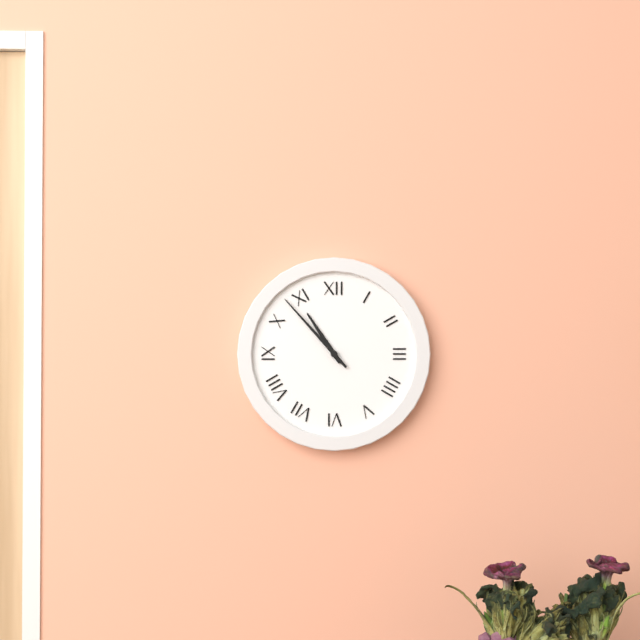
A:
10.53
